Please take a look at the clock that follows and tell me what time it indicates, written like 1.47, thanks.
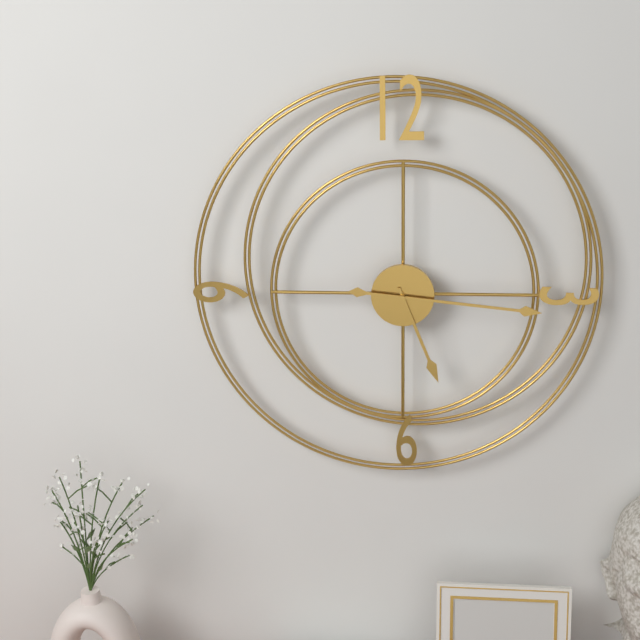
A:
5.16
